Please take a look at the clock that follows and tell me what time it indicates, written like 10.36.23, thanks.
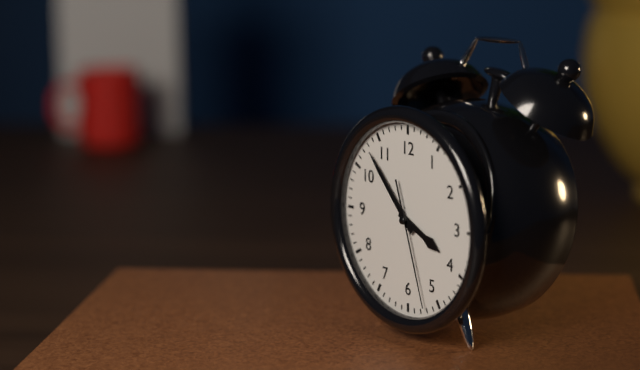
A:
3.53.27
